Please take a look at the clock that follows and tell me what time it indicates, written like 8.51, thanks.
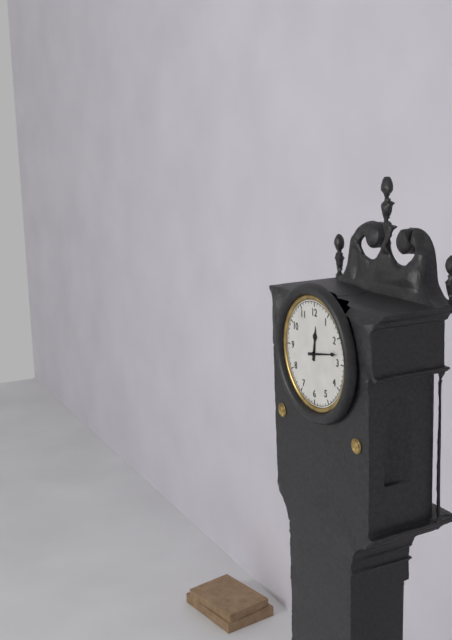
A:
12.13
